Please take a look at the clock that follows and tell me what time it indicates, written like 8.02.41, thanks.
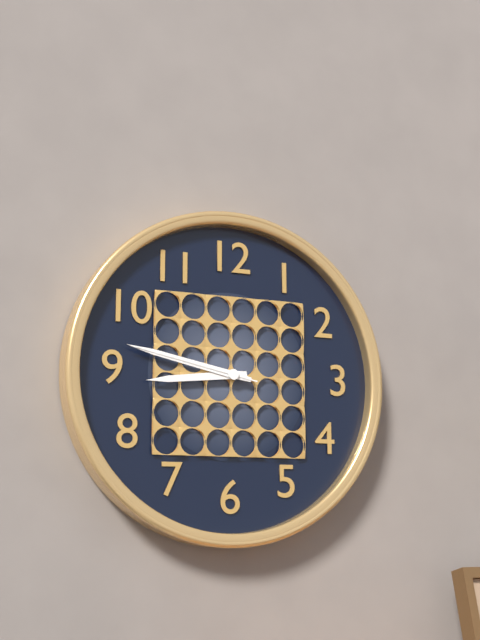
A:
8.47.47
